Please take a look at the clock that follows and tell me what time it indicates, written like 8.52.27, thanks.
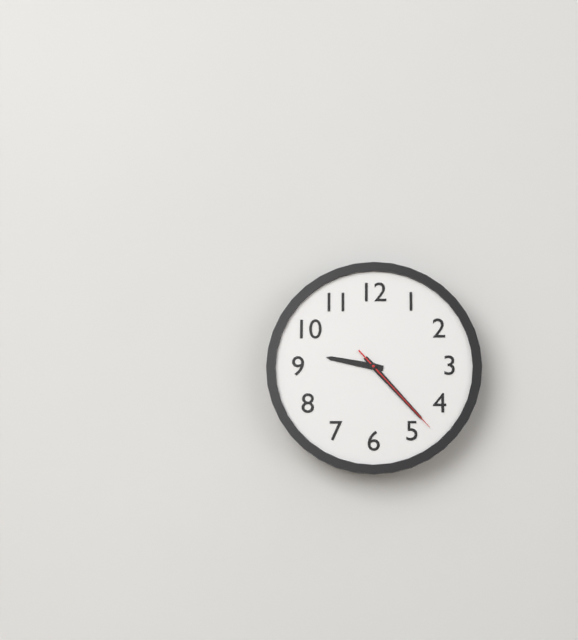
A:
9.23.23
